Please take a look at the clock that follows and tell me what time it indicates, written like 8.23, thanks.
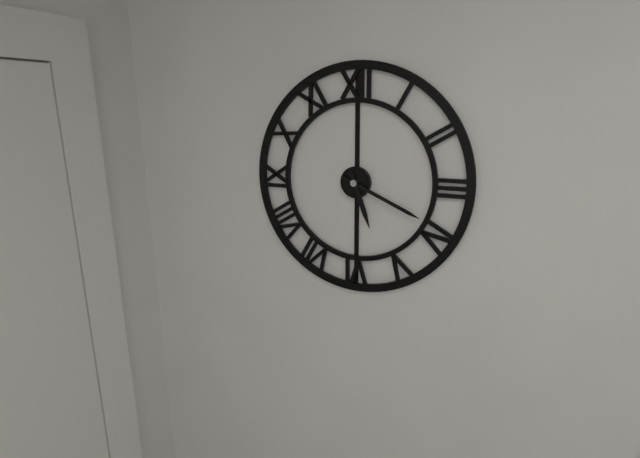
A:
5.19
